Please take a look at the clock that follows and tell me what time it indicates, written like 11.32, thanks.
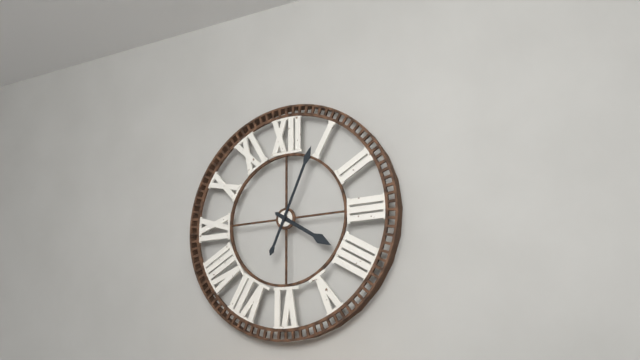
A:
4.04
